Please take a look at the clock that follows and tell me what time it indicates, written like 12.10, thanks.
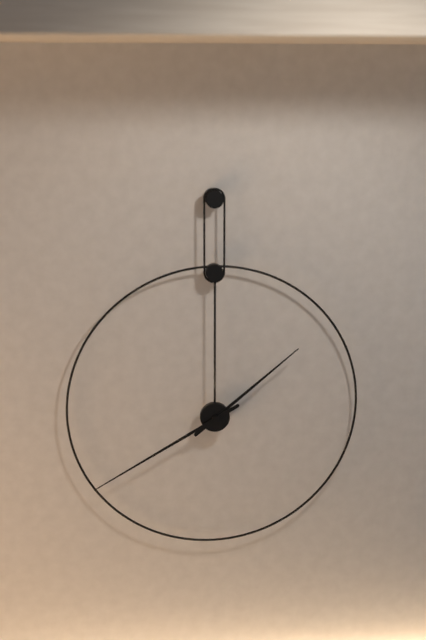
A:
1.40
